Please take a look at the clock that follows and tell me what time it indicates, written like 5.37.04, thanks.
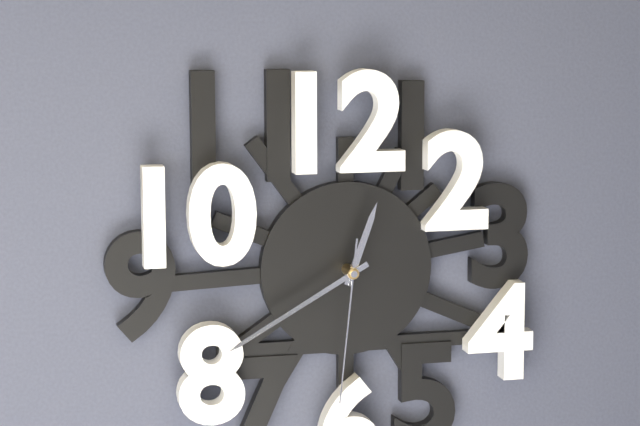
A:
12.40.31
